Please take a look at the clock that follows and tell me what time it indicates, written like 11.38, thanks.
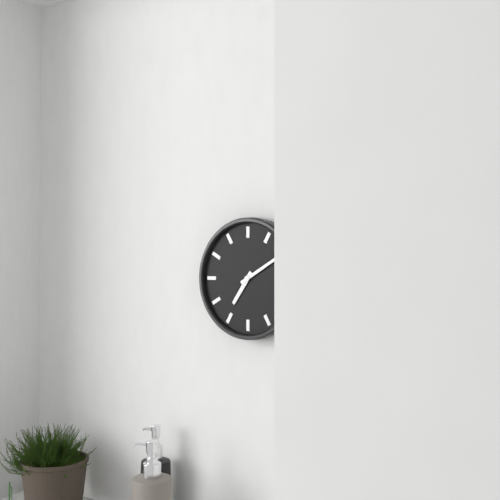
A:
7.10
